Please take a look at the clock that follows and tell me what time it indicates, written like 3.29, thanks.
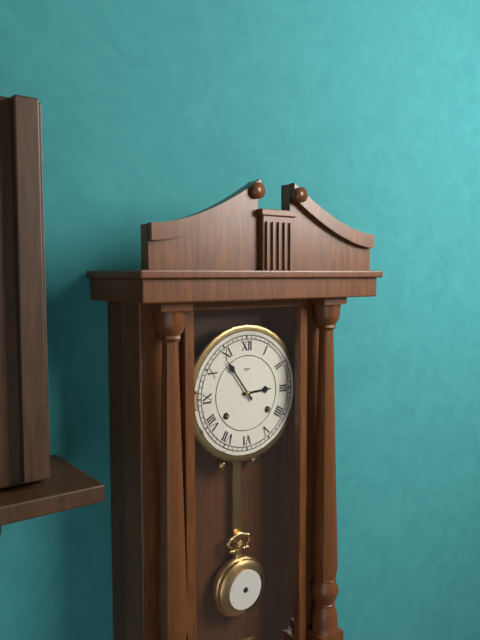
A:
2.54
